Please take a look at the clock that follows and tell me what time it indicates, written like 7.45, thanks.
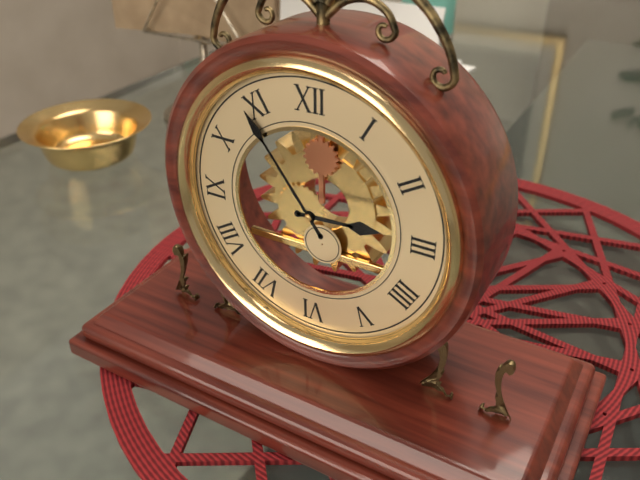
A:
2.54
